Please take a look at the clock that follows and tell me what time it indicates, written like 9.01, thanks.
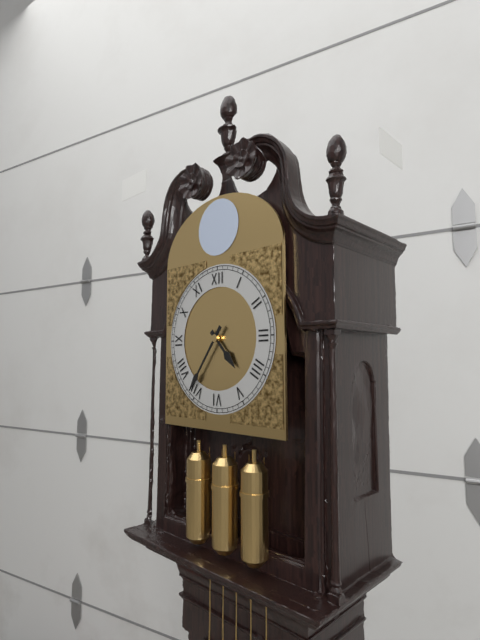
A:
4.36
